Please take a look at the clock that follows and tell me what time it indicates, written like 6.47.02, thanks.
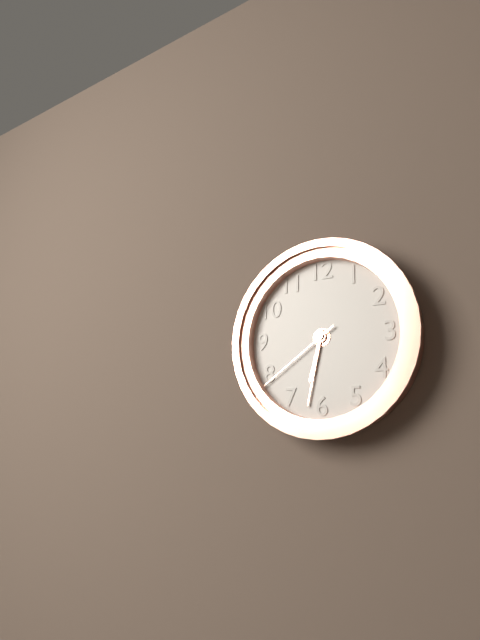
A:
6.32.39
